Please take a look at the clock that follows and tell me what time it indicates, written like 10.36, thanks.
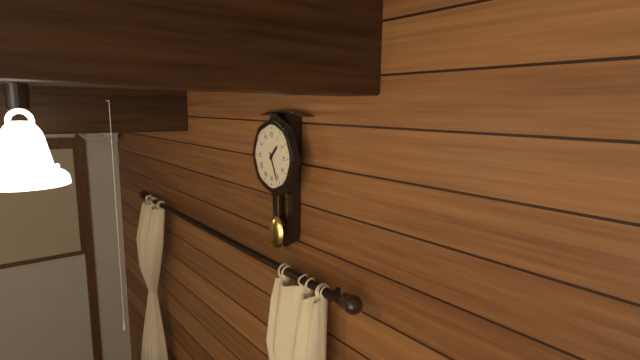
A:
1.26
